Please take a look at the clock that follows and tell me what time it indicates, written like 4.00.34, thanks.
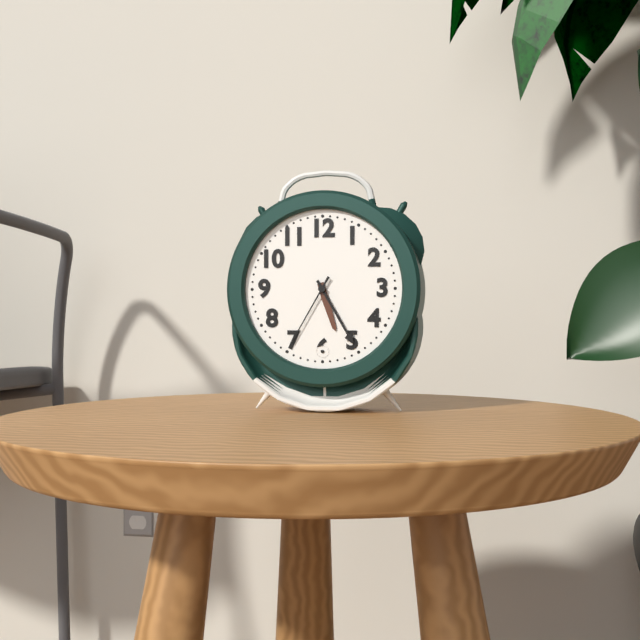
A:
5.25.35
